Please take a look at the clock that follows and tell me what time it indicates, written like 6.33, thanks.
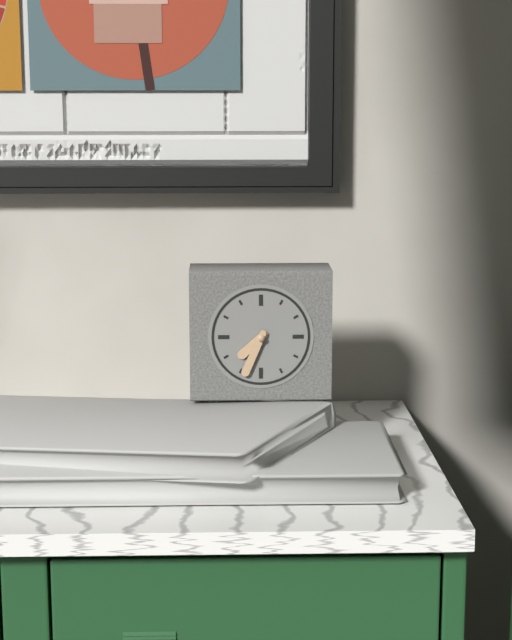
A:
7.34
